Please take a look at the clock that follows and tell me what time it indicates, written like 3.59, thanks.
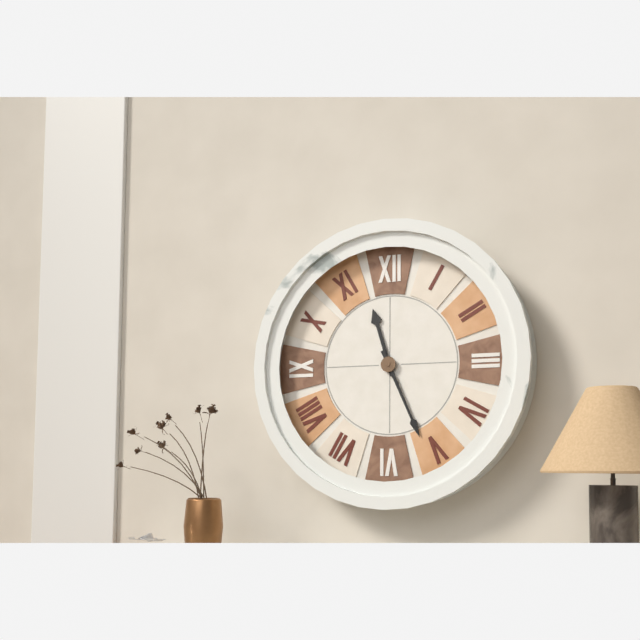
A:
11.26
